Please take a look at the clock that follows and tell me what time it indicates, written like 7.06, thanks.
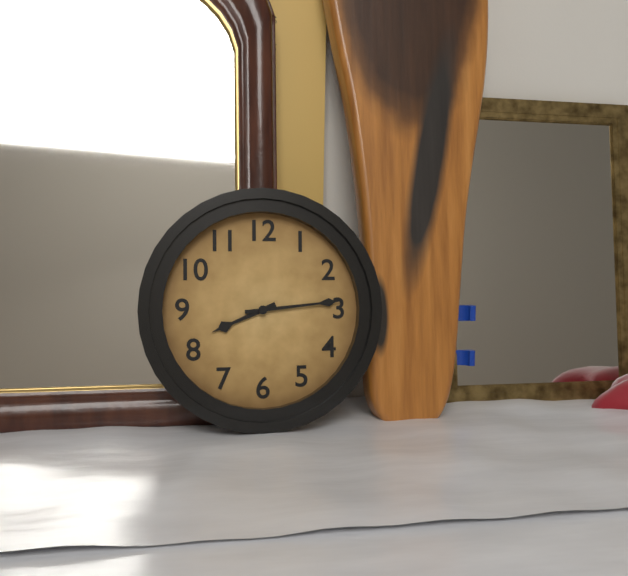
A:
8.14
